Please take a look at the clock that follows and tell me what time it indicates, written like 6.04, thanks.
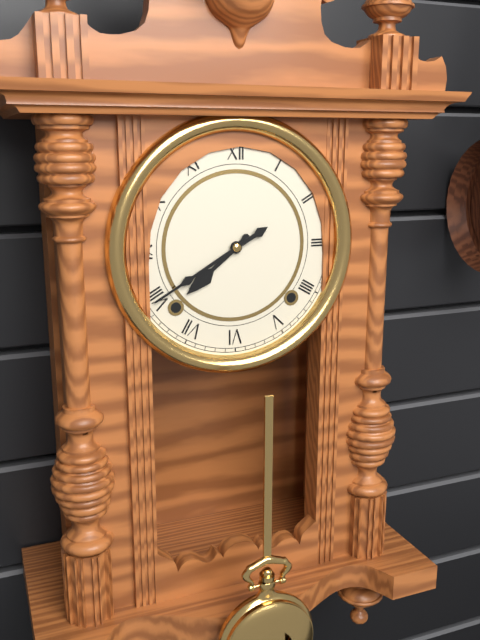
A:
7.40
